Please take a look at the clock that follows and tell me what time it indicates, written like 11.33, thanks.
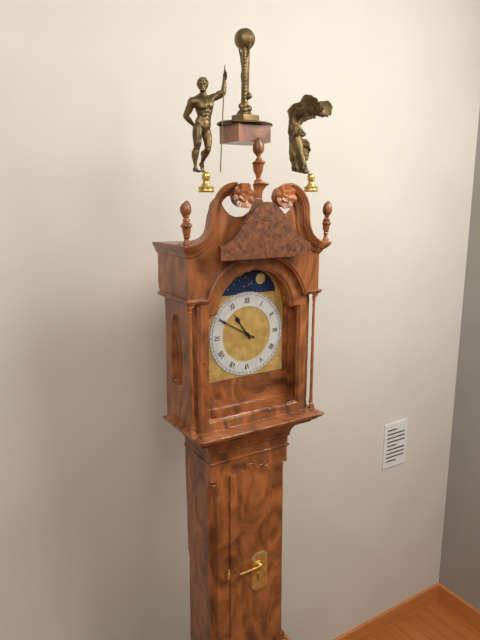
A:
10.50
